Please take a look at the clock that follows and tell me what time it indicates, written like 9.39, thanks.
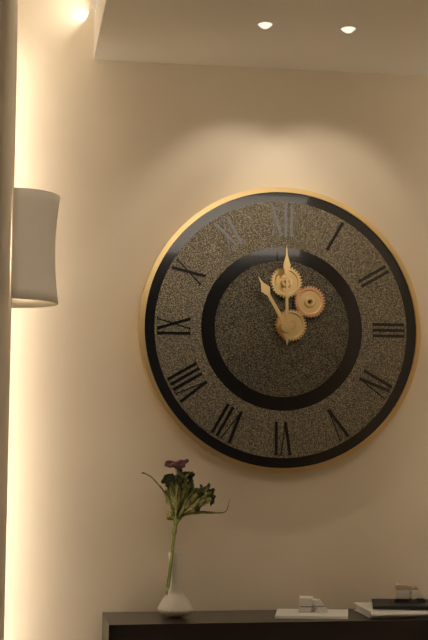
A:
11.00
